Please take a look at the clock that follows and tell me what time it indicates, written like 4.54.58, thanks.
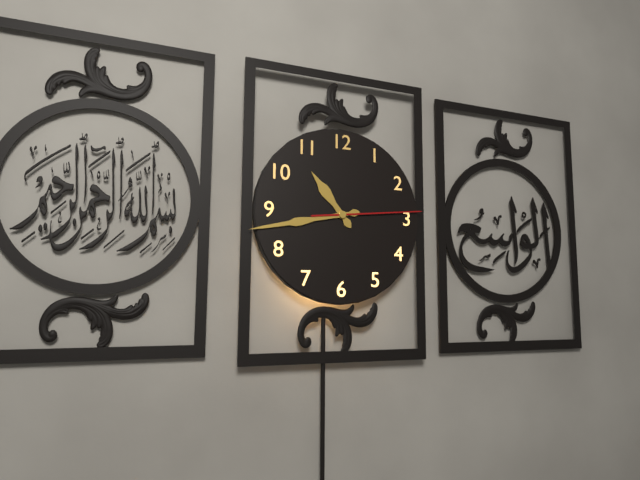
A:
10.43.14
